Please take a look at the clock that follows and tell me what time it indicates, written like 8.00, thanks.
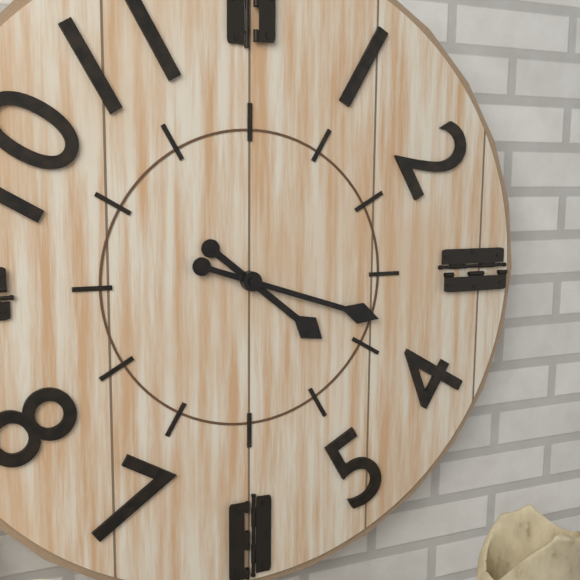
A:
4.18
